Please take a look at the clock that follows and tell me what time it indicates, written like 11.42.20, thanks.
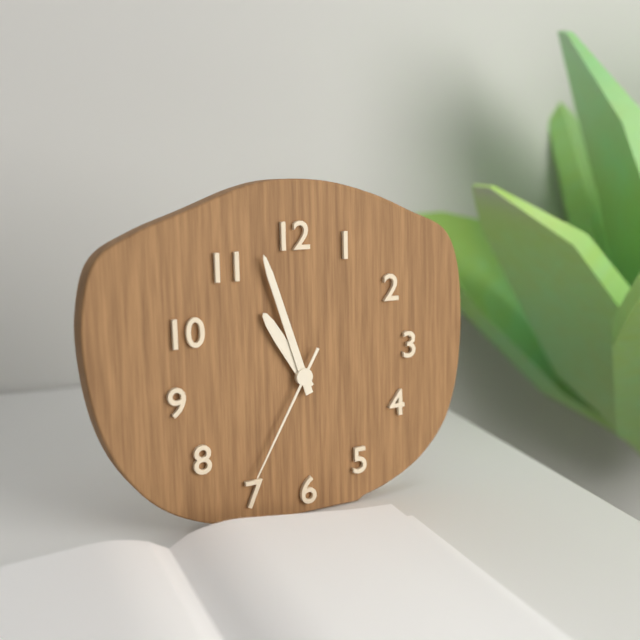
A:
10.57.35
